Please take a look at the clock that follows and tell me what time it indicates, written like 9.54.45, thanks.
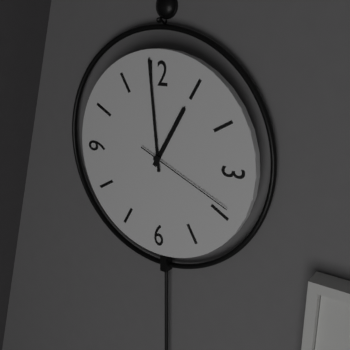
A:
12.59.19
